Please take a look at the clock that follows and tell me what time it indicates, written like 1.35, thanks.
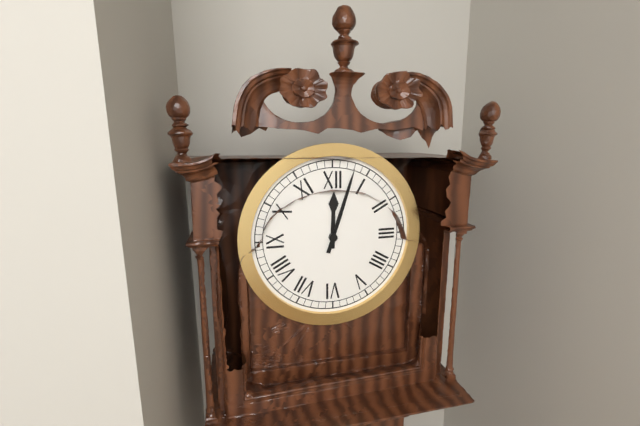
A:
12.03
